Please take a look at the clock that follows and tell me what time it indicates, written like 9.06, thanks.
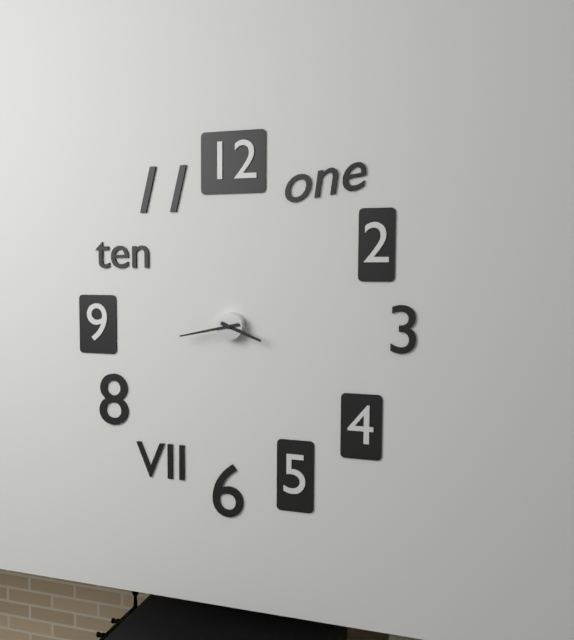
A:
3.43
